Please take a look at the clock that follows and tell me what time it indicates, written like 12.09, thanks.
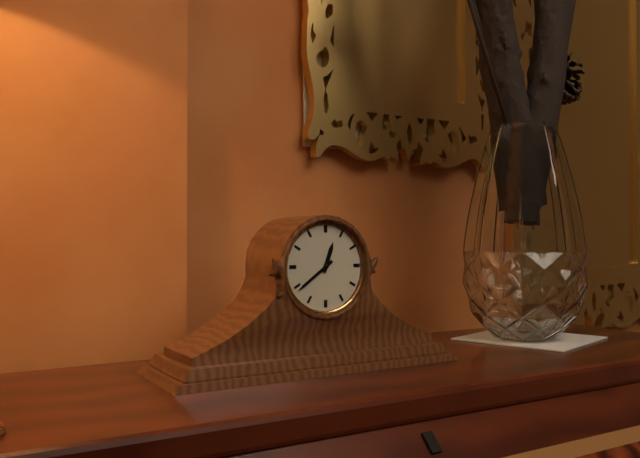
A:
12.39
